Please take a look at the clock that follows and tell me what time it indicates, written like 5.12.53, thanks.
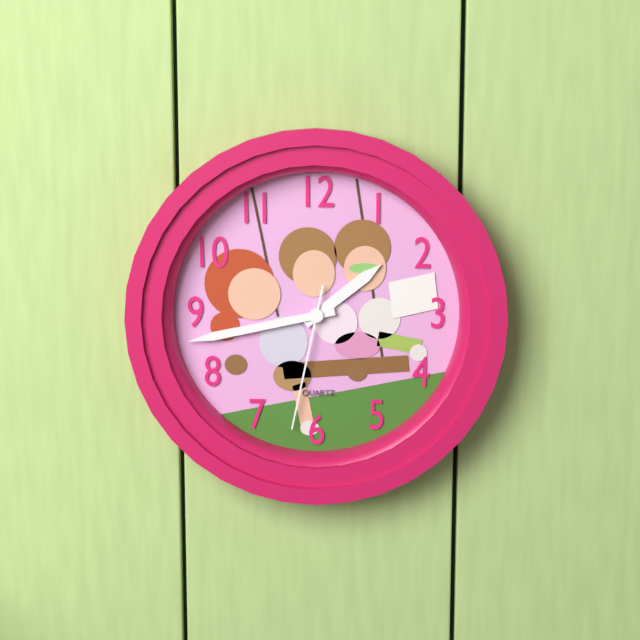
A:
1.43.32
